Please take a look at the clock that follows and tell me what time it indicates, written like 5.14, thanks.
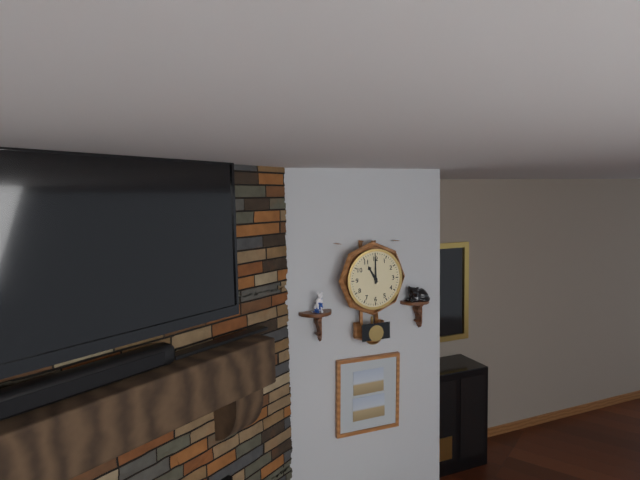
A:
11.00
